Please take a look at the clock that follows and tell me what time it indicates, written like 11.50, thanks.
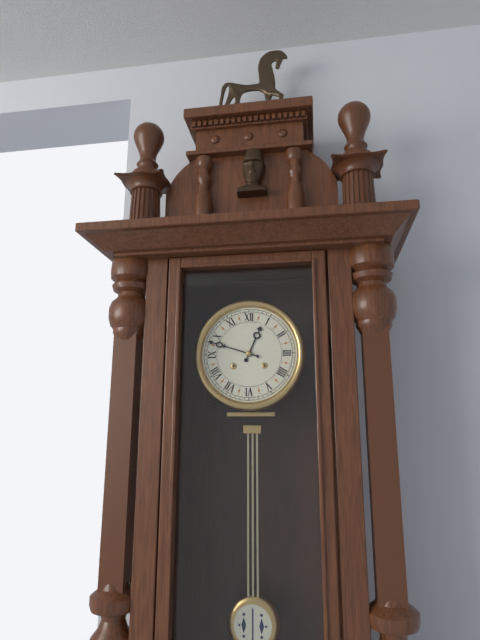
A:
12.48
